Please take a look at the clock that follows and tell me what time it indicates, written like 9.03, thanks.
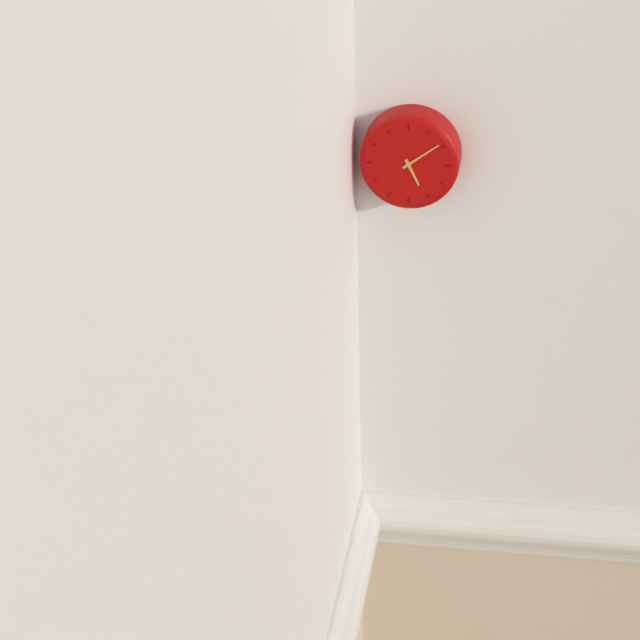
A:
5.09
